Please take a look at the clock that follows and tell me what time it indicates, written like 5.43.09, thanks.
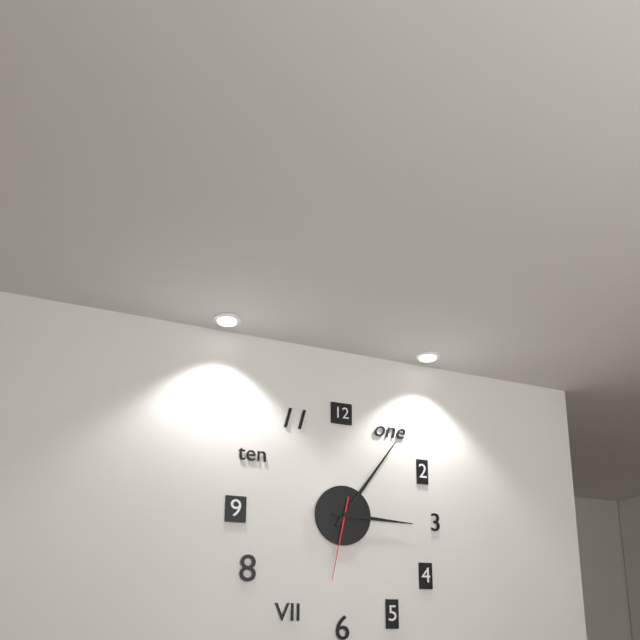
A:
3.06.32
